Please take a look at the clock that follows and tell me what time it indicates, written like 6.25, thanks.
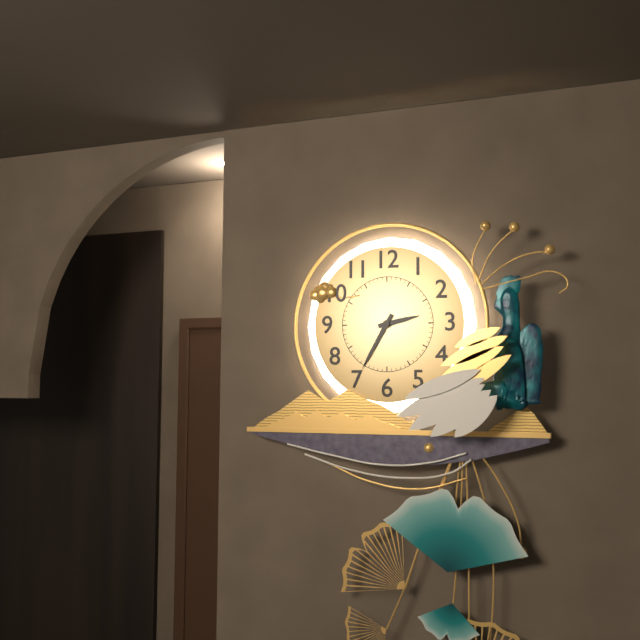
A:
2.35
